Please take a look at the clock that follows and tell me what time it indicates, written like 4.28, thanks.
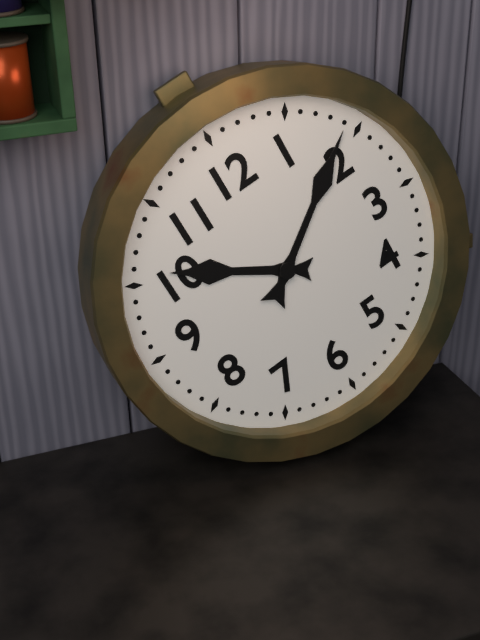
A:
10.09
